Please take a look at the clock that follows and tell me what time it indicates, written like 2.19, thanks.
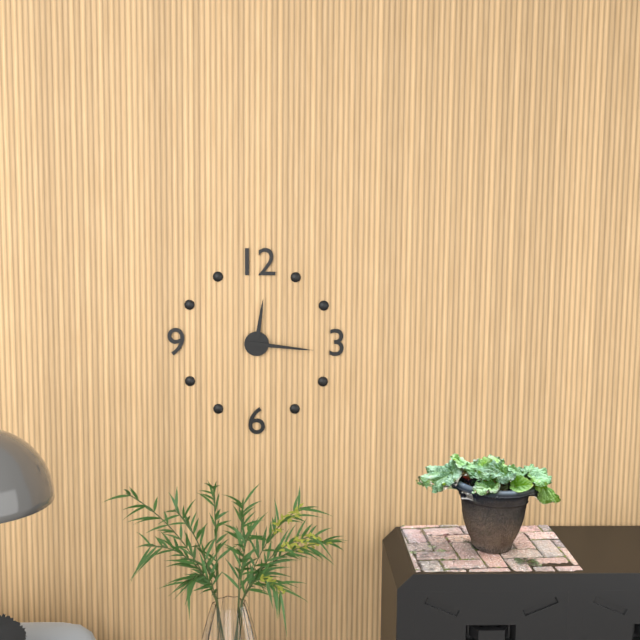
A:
12.16
